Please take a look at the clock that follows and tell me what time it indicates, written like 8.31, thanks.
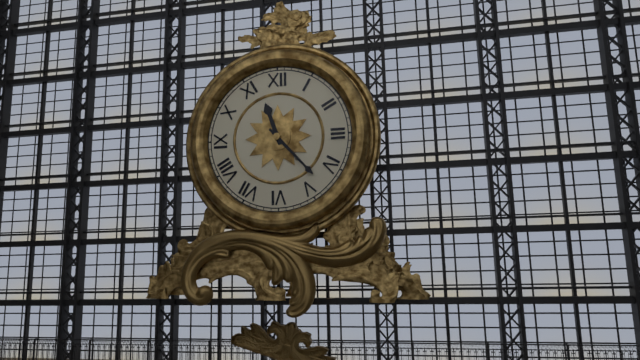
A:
11.23
